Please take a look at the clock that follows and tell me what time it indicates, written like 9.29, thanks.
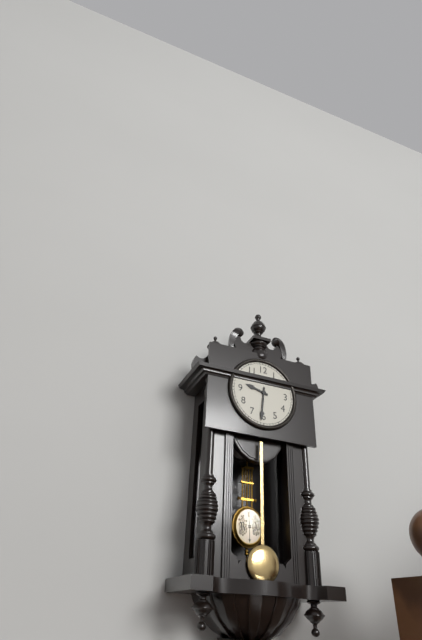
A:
9.31
